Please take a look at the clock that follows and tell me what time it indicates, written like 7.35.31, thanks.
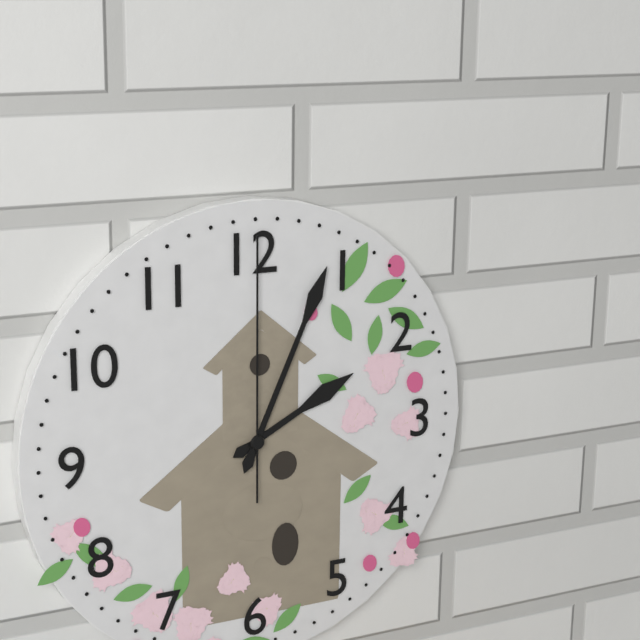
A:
2.04.00
